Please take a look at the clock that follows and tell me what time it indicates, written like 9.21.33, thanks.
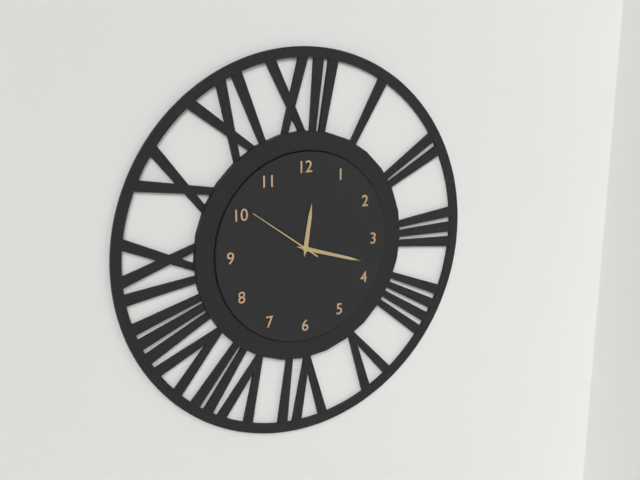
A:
12.18.51
